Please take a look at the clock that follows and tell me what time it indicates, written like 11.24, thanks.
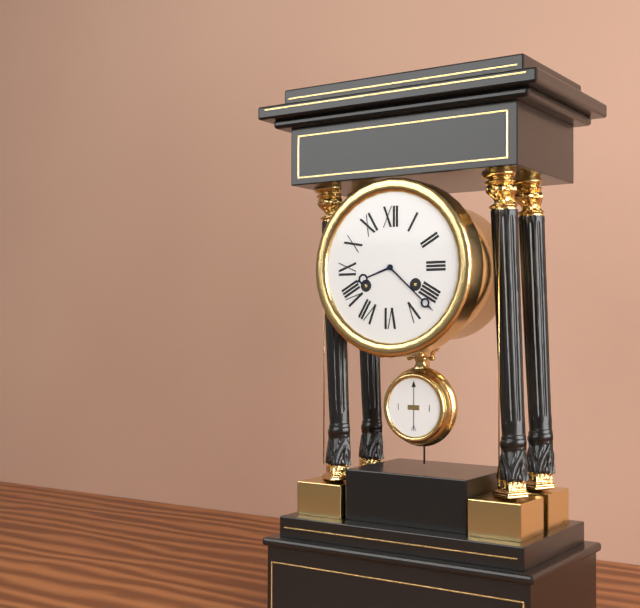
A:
8.22
